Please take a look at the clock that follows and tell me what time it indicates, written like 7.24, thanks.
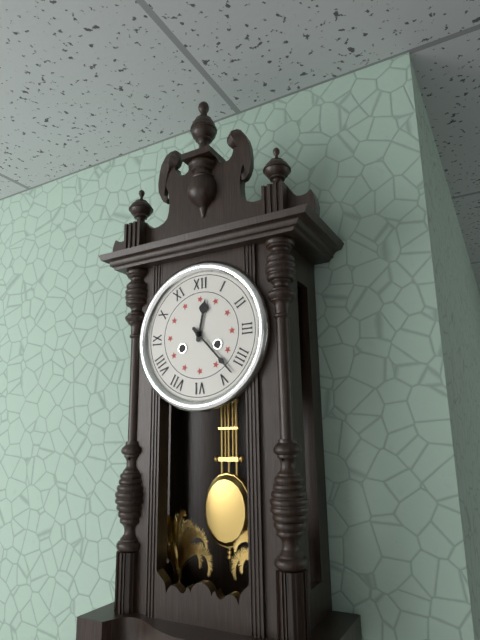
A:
12.23
